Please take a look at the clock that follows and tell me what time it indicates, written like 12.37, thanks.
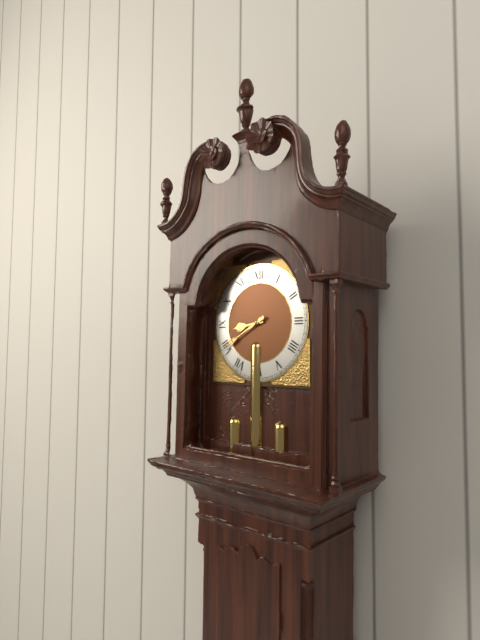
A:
8.40
